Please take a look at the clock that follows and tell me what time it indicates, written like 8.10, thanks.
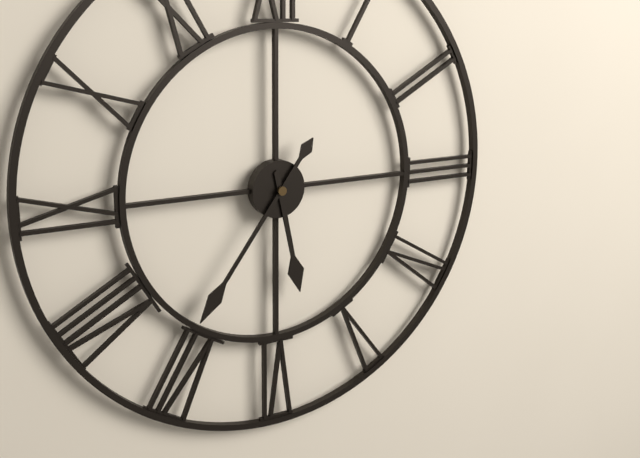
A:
5.36
